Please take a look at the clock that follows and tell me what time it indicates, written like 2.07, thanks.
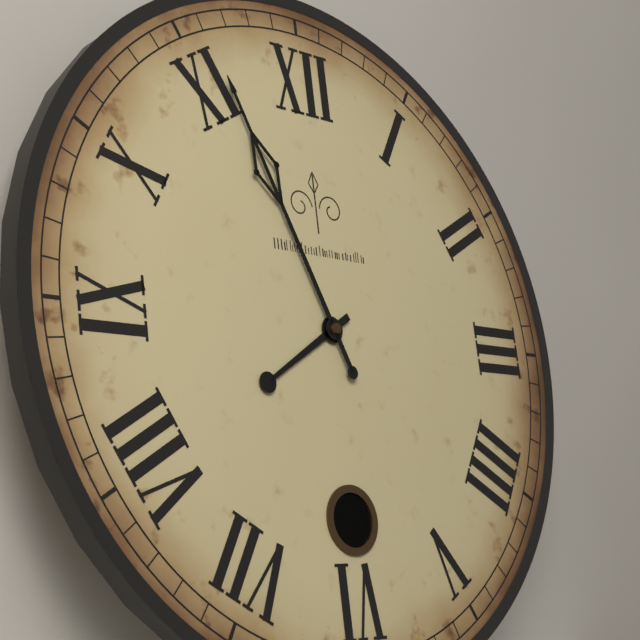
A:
7.56
